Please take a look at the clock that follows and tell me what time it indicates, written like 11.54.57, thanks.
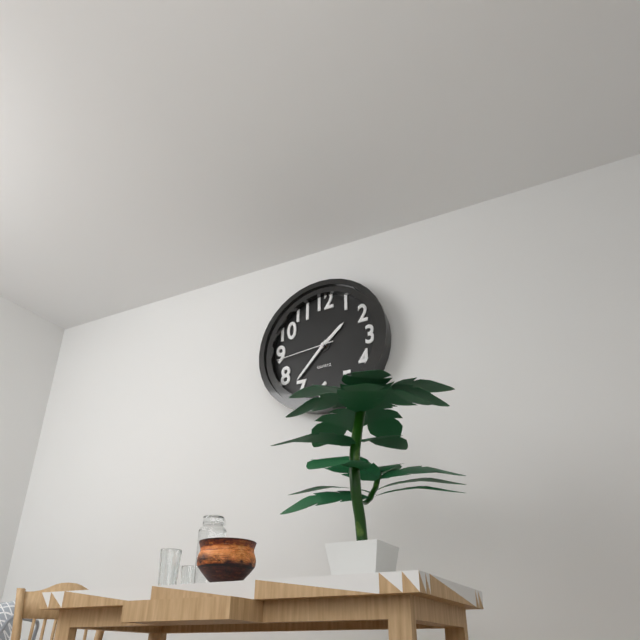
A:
1.37.44
